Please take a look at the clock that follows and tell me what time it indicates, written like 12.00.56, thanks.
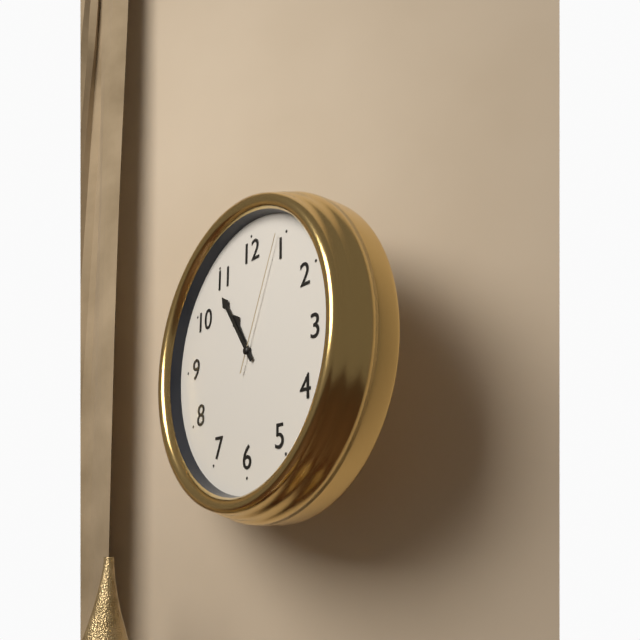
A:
10.54.04
